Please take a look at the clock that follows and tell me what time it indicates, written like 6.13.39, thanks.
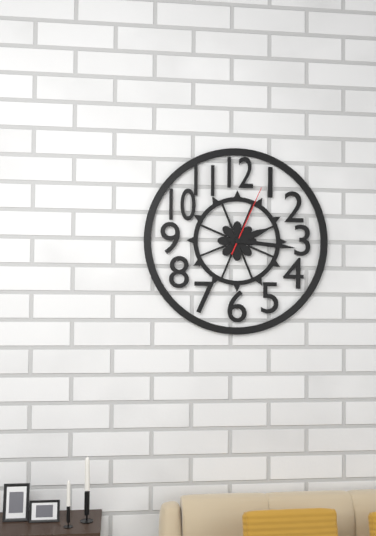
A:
2.16.04
